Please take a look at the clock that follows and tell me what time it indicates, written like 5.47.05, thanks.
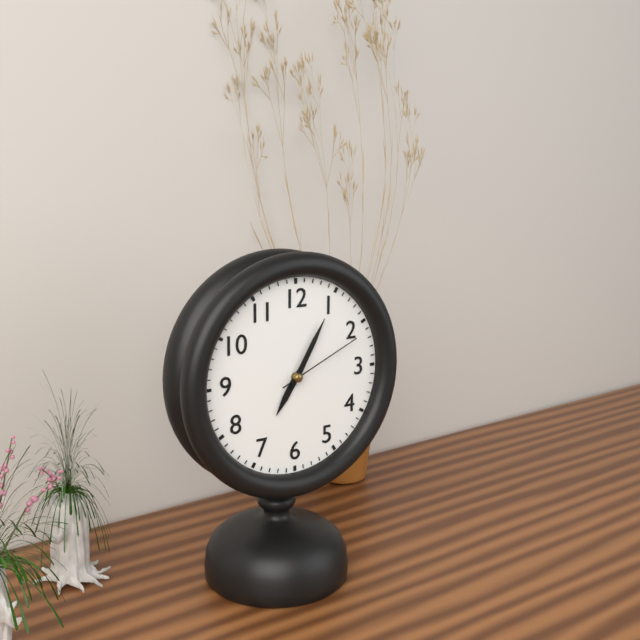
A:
7.05.11
